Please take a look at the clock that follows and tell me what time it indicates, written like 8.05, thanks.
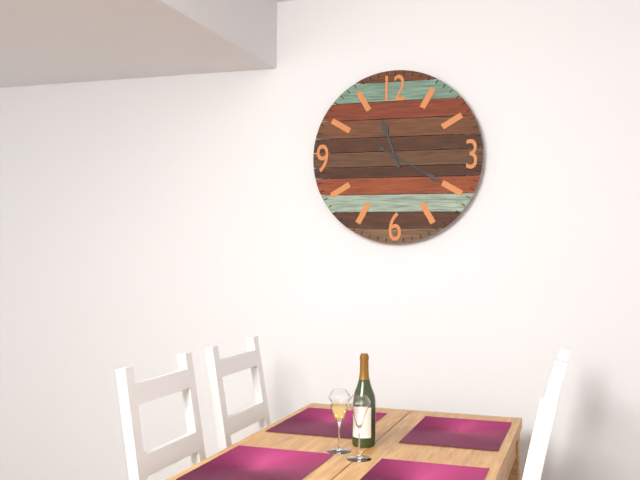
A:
11.20
